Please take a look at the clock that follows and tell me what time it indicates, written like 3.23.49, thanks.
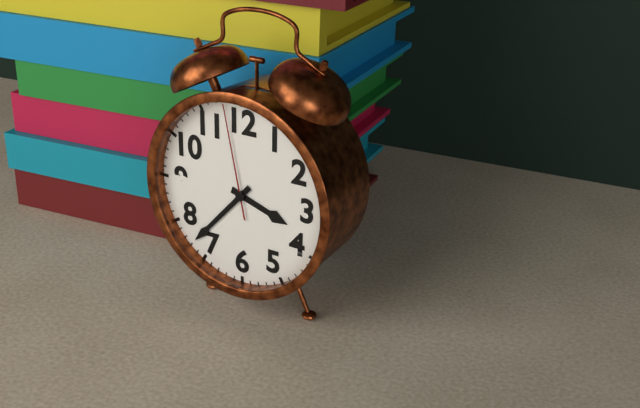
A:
3.37.58
